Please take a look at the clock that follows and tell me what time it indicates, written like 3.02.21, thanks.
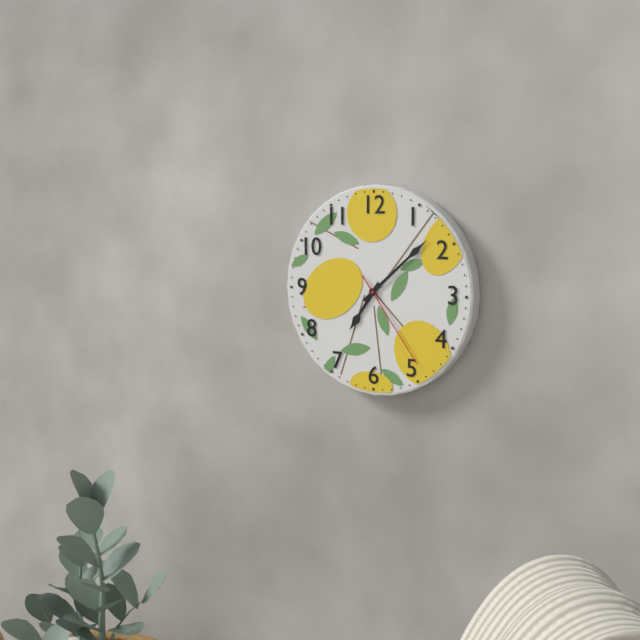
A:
7.08.24
